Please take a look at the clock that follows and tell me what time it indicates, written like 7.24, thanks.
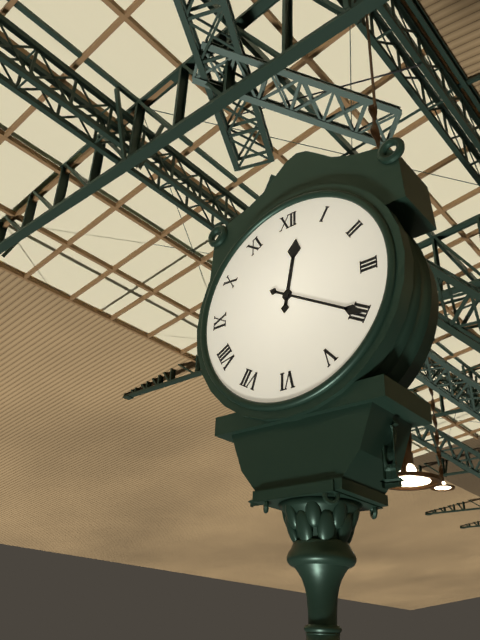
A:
12.20
